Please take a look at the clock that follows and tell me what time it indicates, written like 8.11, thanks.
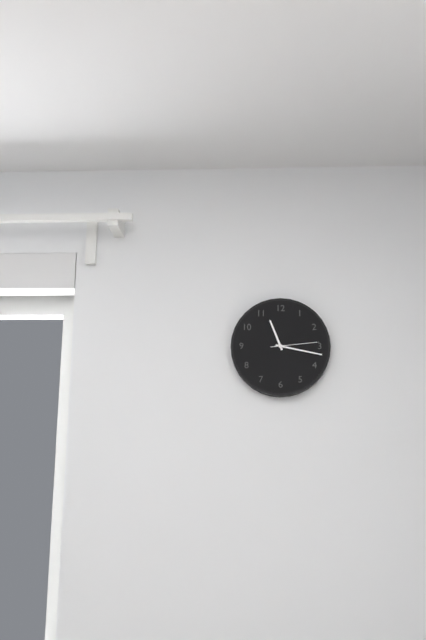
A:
11.17
